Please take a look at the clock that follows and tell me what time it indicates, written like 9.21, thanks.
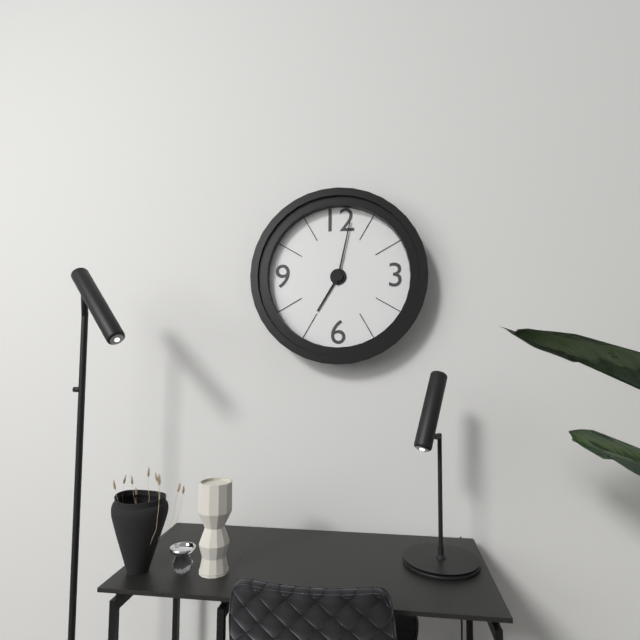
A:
7.02
